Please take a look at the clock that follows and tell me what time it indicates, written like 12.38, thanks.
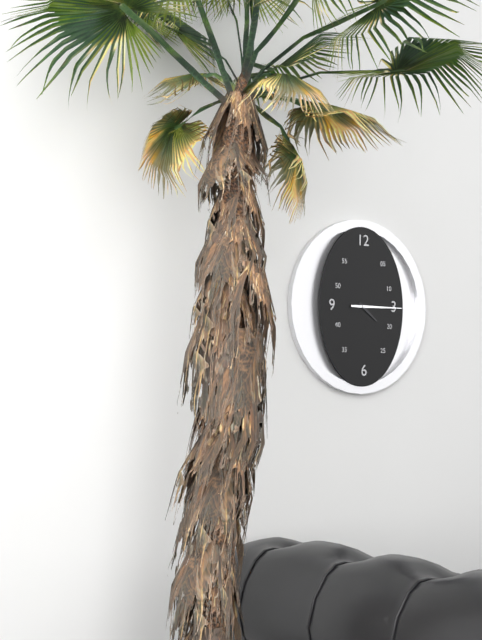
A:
4.15
